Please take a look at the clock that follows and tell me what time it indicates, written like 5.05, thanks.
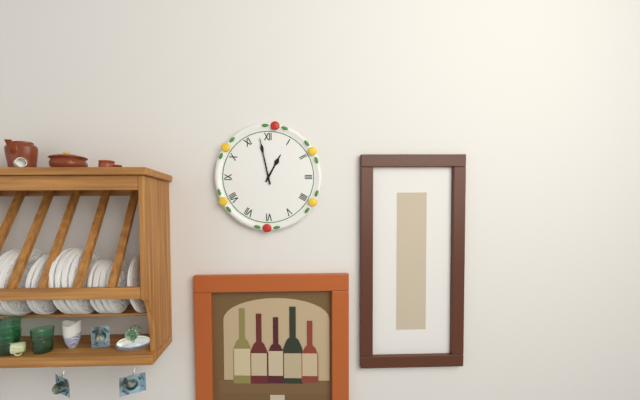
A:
12.58
